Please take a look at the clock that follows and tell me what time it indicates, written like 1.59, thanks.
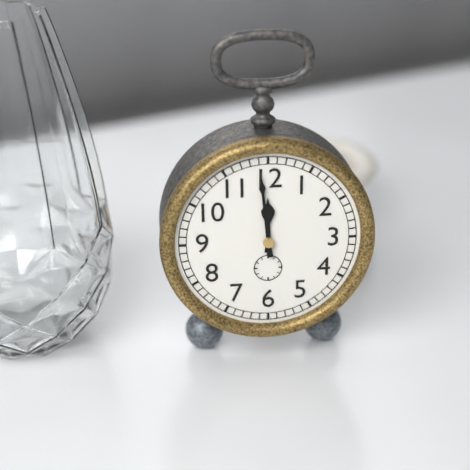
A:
11.59
